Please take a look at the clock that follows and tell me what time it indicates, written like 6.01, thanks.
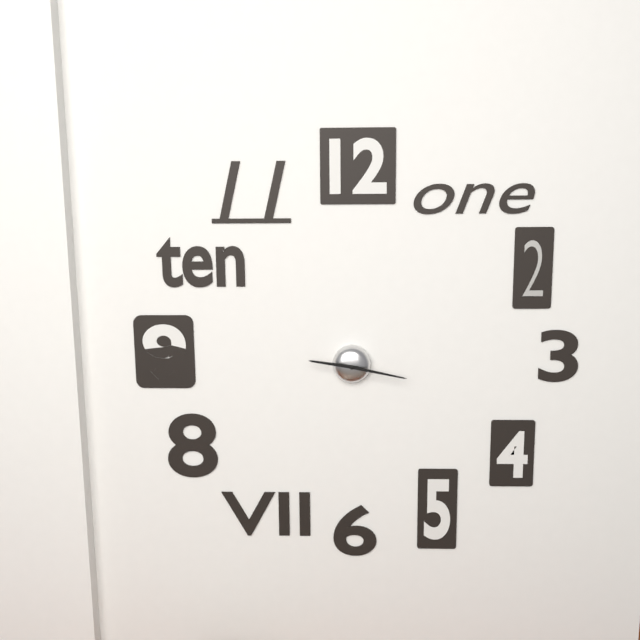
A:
9.17
